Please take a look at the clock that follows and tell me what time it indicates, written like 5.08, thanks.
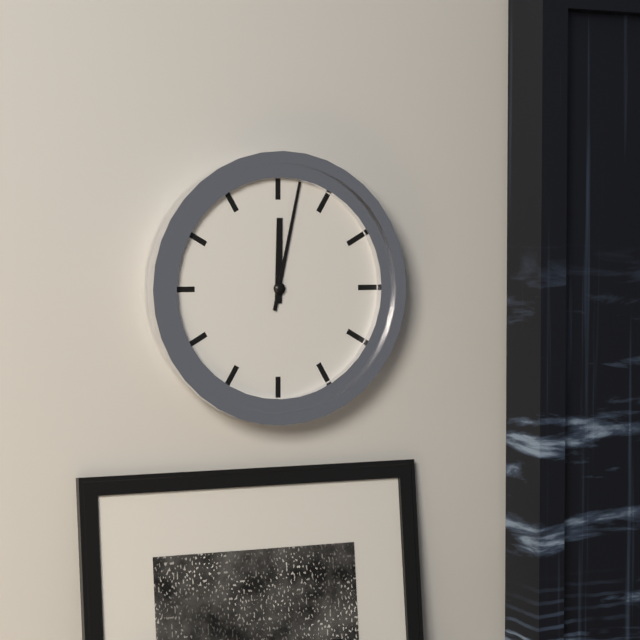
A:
12.02
